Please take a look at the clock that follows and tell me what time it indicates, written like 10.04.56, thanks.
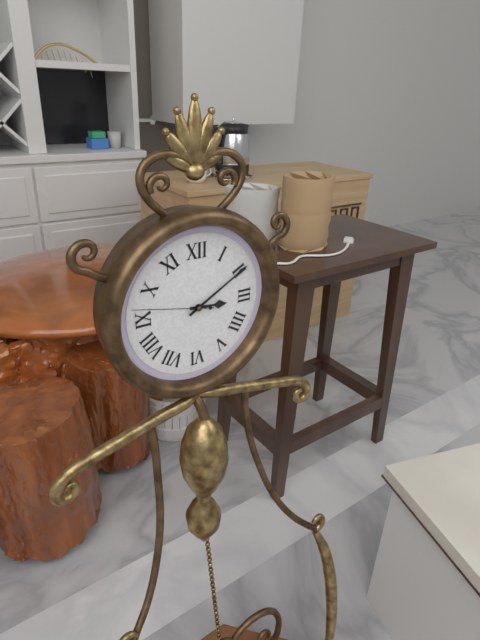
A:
3.10.47
